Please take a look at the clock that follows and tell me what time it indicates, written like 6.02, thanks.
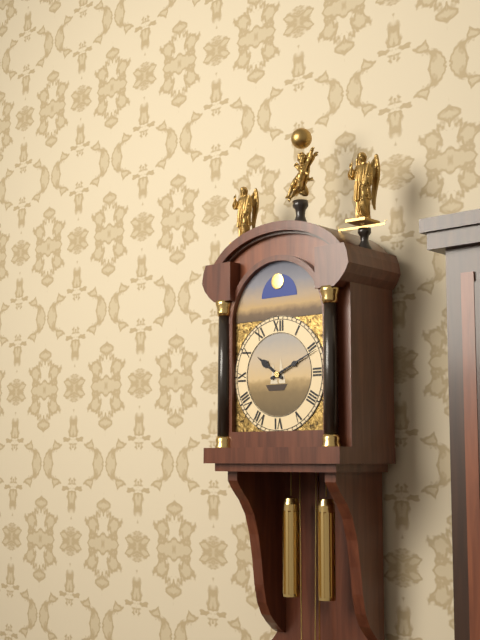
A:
10.11
